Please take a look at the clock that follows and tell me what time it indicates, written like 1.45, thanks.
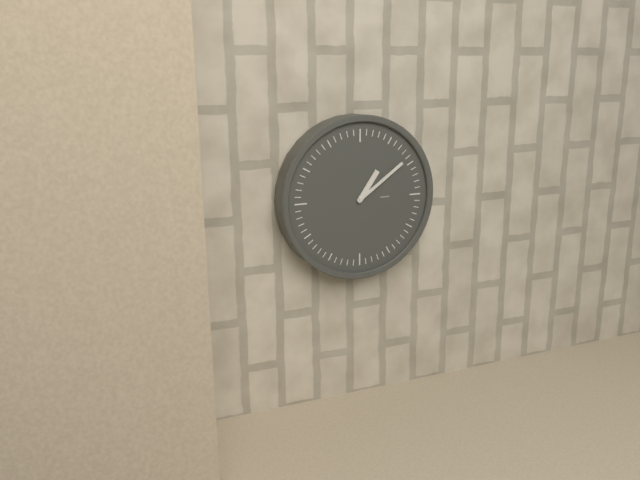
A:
1.09
